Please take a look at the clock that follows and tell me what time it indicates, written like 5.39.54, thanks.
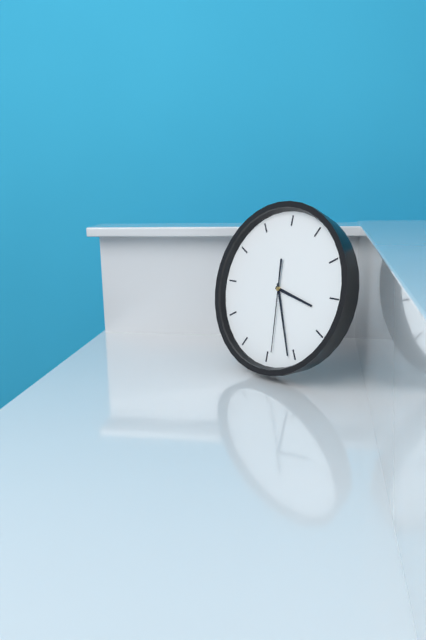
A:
3.26.29
